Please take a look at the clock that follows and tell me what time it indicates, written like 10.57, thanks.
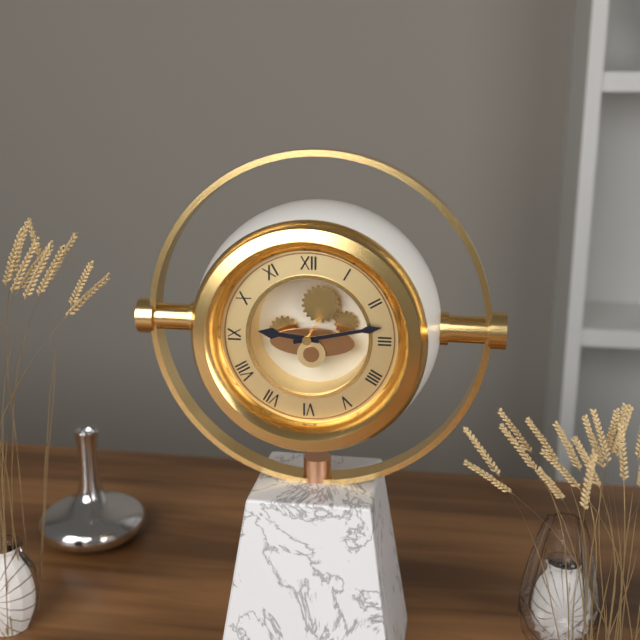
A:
9.13
